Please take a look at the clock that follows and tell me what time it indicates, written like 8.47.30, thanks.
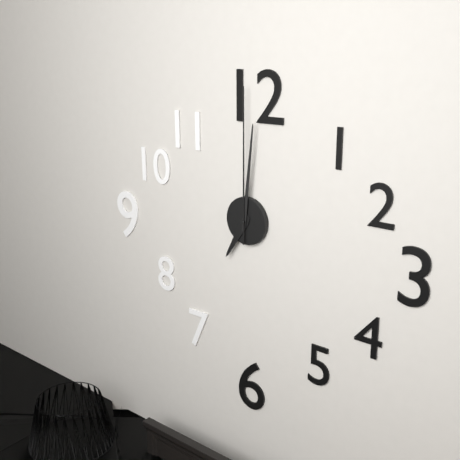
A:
7.01.00
